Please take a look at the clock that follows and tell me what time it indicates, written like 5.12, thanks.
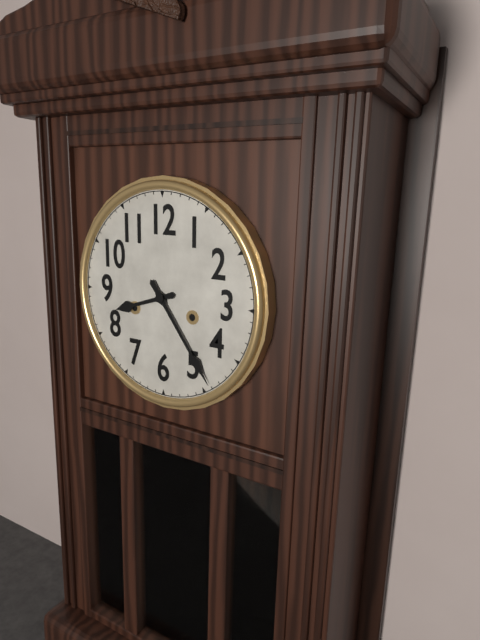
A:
8.24
